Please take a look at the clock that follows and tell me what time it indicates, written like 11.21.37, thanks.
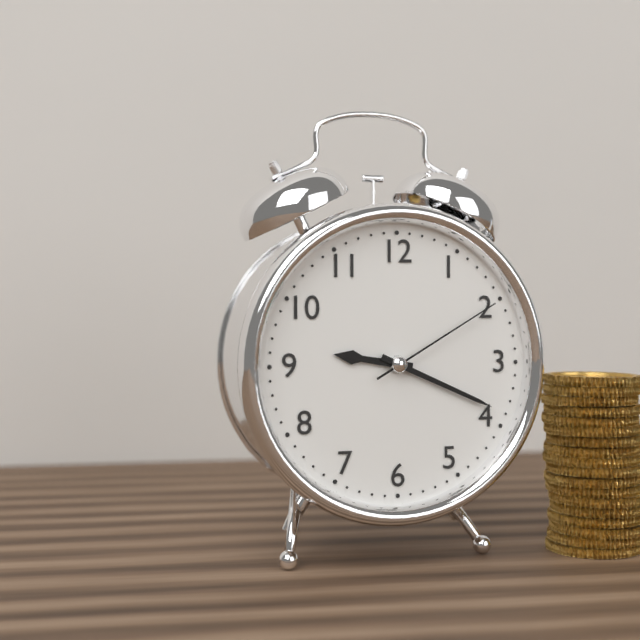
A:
9.19.10
